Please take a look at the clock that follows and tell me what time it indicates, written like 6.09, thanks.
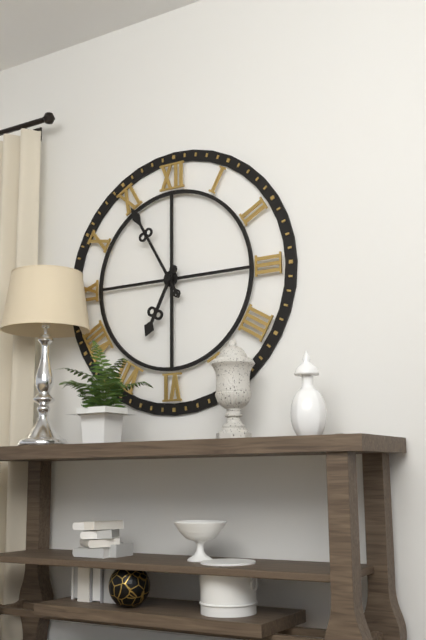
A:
6.55
